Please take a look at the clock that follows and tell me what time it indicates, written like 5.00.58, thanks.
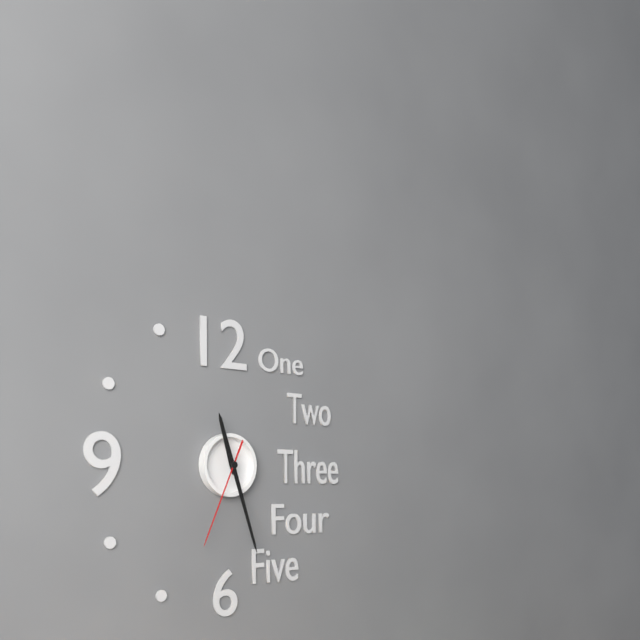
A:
11.27.34
